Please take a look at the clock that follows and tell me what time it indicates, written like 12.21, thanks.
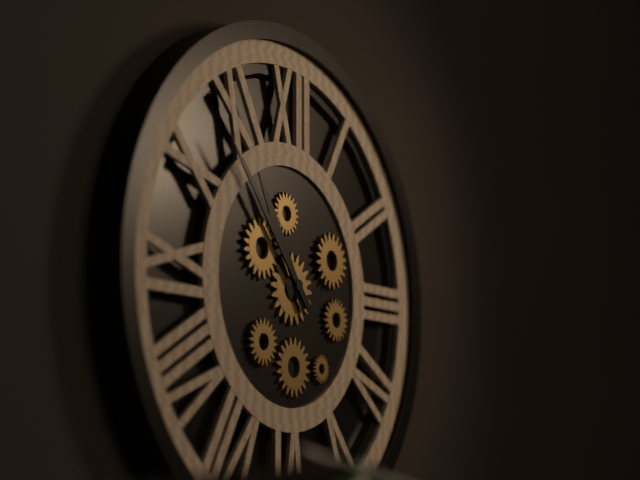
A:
10.53
